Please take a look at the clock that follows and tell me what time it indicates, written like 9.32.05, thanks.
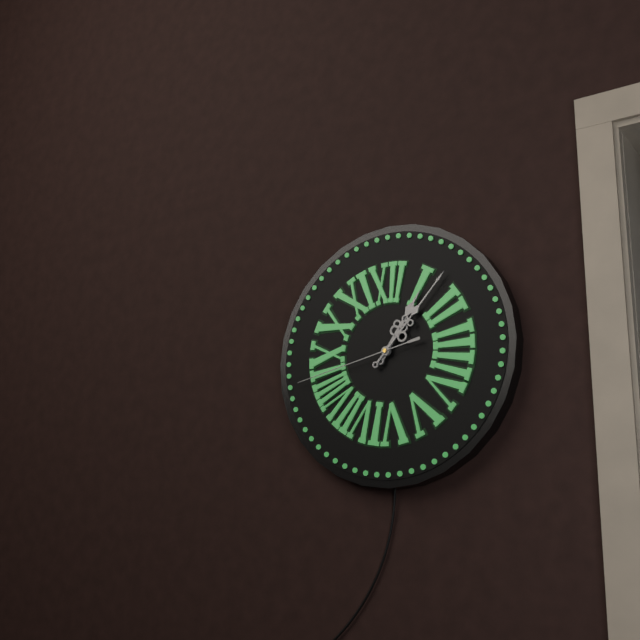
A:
1.07.43
